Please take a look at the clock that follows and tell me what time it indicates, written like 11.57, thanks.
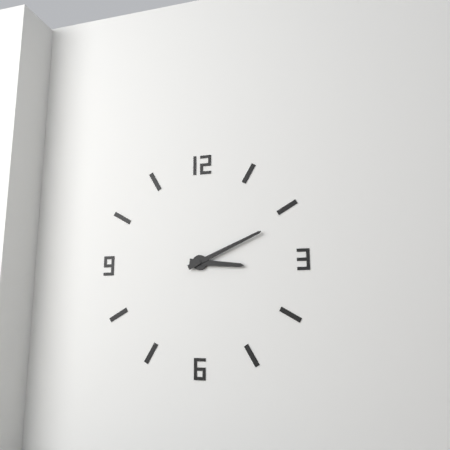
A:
3.11
